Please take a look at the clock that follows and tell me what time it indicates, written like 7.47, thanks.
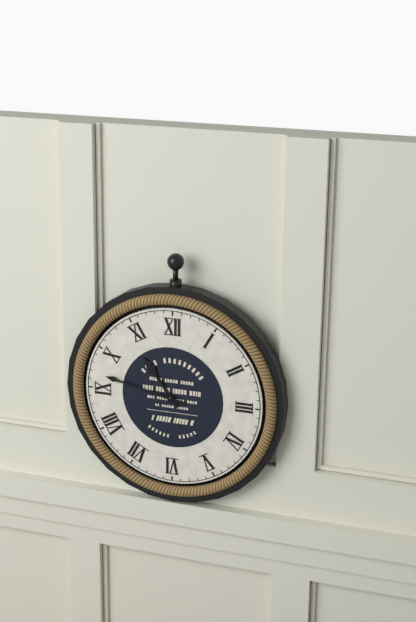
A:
10.47
